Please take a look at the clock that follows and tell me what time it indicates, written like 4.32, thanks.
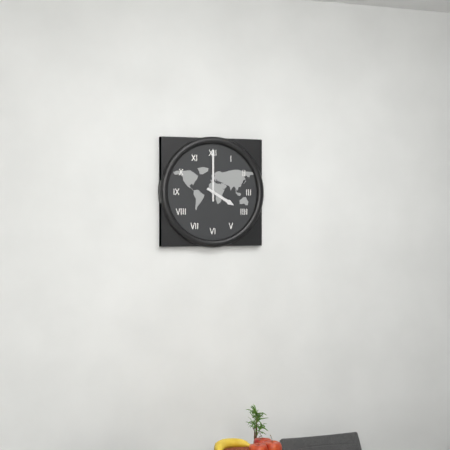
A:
4.00
